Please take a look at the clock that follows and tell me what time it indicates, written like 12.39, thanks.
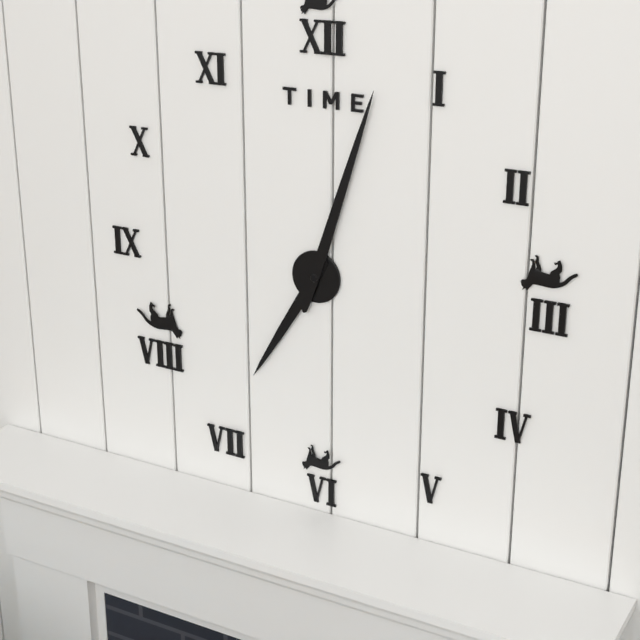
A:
7.03
